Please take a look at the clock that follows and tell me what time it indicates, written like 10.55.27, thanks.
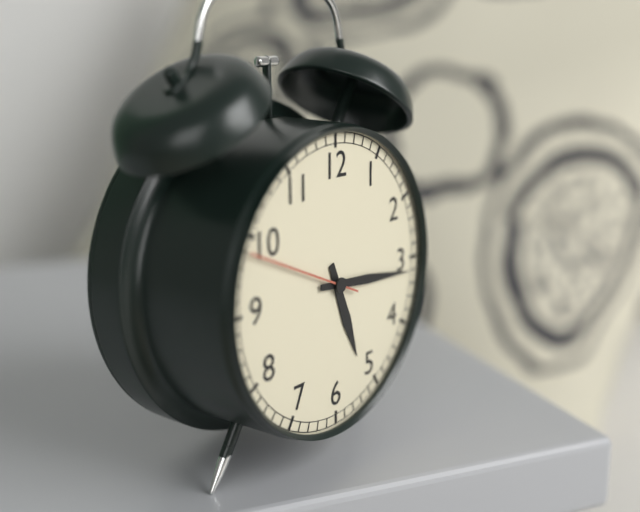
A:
5.16.49
